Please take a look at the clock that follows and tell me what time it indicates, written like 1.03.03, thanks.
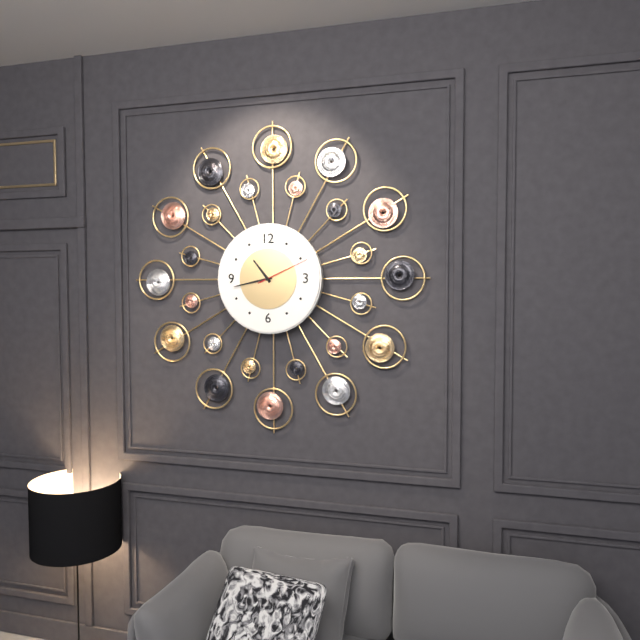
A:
10.43.11
